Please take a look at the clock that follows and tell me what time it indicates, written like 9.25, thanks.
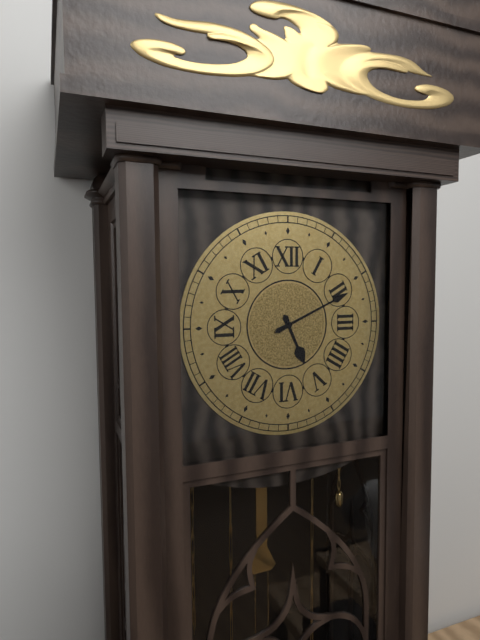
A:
5.11
